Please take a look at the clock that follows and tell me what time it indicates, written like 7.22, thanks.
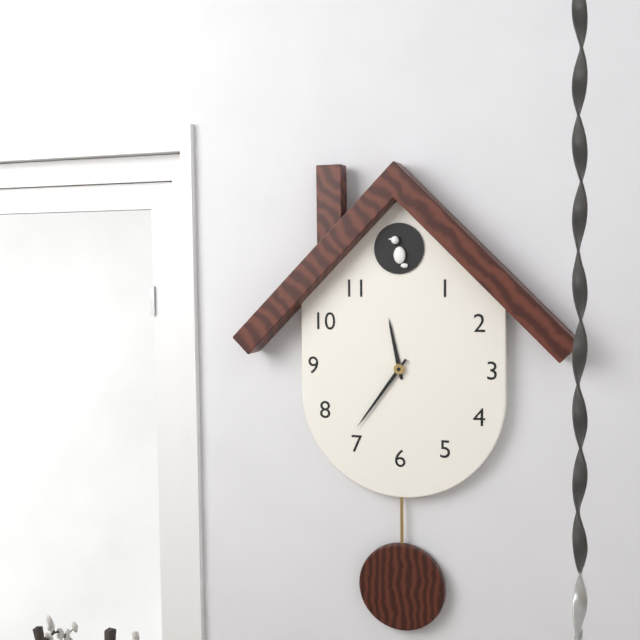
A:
11.36
